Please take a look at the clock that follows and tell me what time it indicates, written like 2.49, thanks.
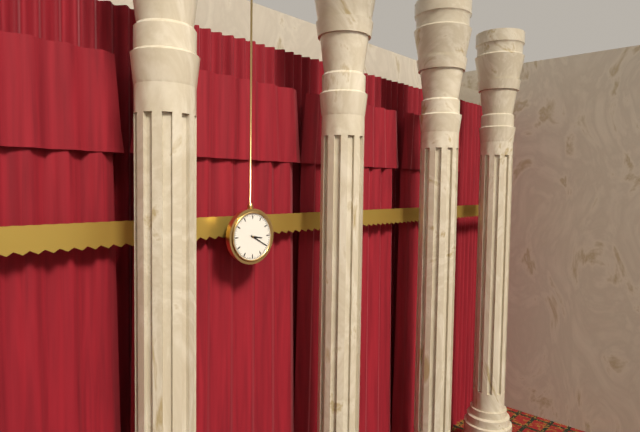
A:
3.20
